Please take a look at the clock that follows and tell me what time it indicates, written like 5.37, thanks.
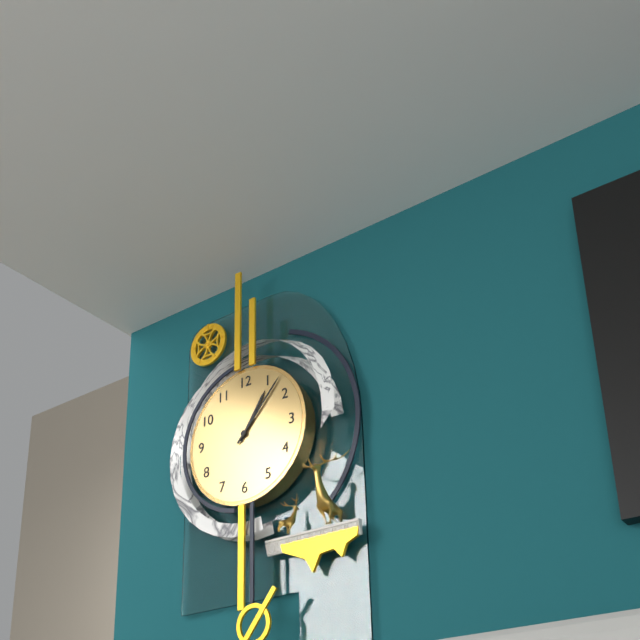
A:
1.07
